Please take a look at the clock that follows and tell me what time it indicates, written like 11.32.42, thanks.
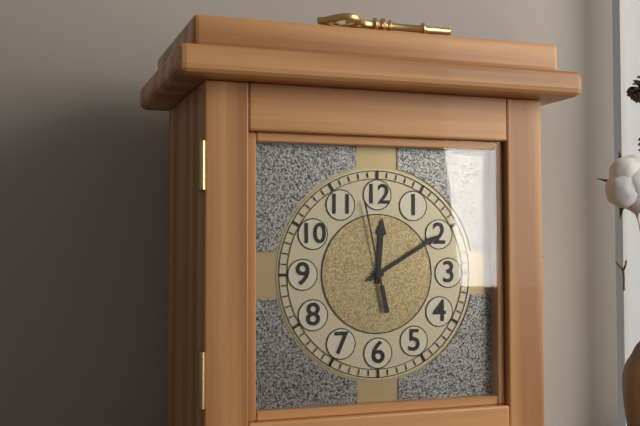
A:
12.10.58
